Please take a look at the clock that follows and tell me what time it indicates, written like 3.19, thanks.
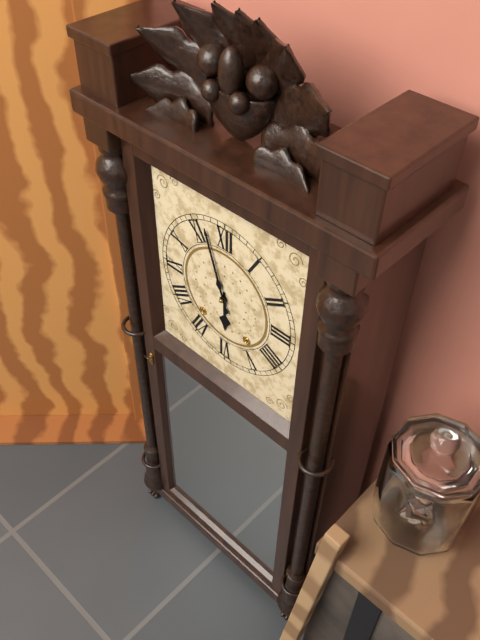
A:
5.57
